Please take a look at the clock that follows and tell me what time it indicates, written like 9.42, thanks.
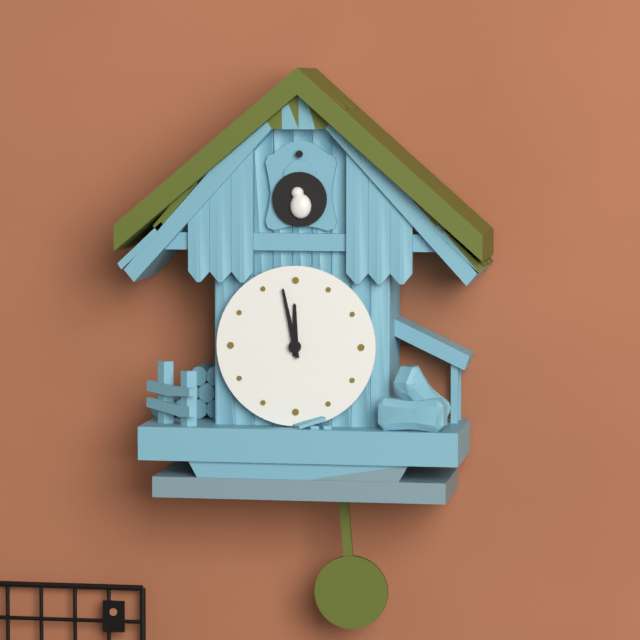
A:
11.58
